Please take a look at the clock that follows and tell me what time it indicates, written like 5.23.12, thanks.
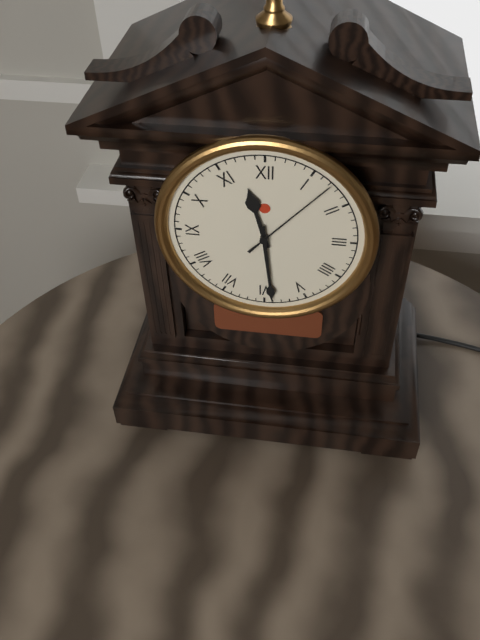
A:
11.29.07
